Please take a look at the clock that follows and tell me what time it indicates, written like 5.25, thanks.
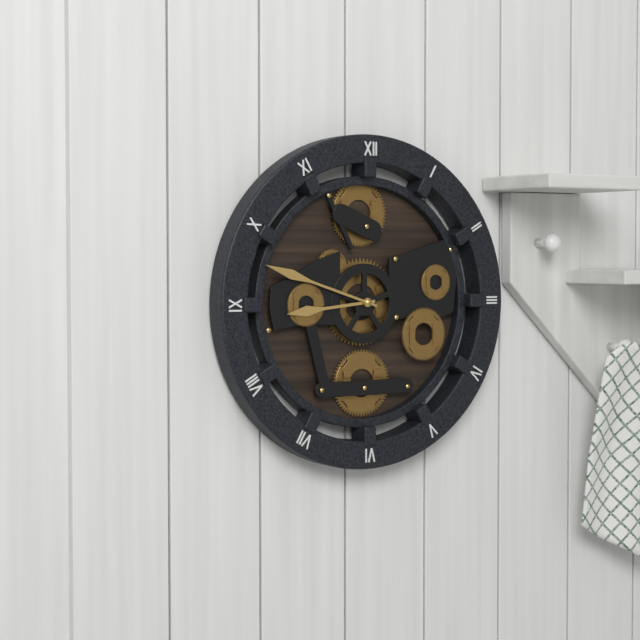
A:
8.48
